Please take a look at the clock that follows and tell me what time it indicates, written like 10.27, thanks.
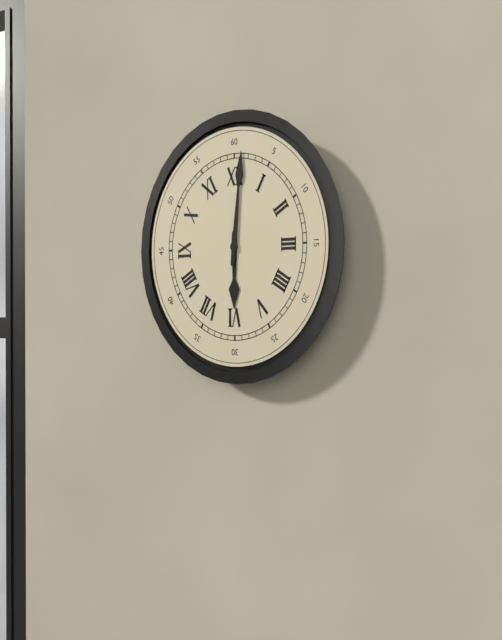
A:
6.01
